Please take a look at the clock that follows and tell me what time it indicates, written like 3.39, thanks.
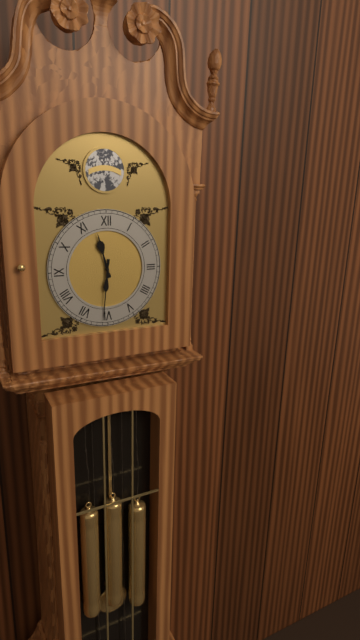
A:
11.31
